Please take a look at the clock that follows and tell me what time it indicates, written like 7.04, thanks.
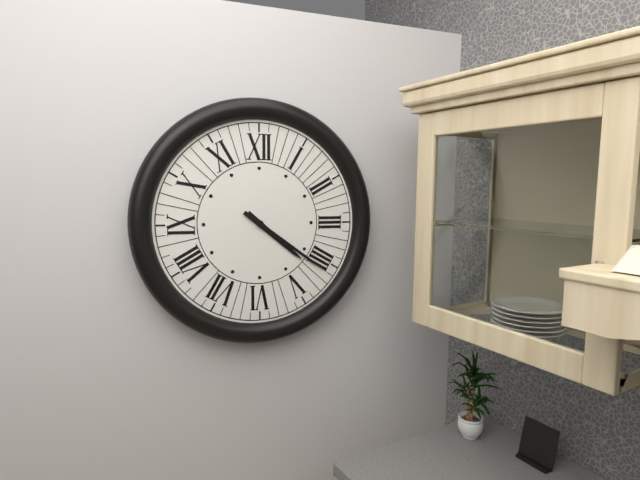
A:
4.21
